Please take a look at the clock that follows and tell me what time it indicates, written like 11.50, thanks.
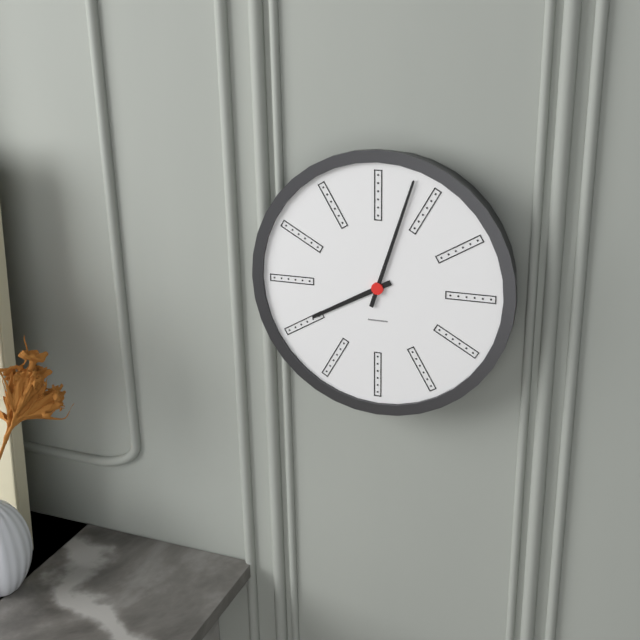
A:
8.03
